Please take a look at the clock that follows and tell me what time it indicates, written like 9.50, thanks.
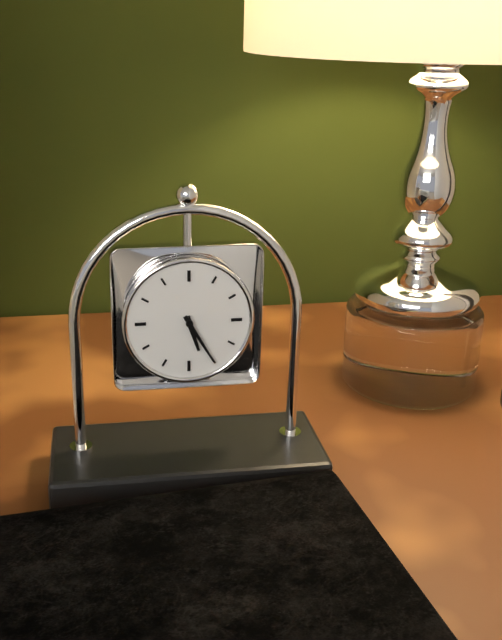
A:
5.25
